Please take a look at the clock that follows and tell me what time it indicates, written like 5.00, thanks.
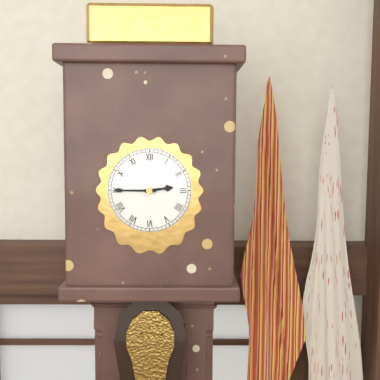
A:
2.45
